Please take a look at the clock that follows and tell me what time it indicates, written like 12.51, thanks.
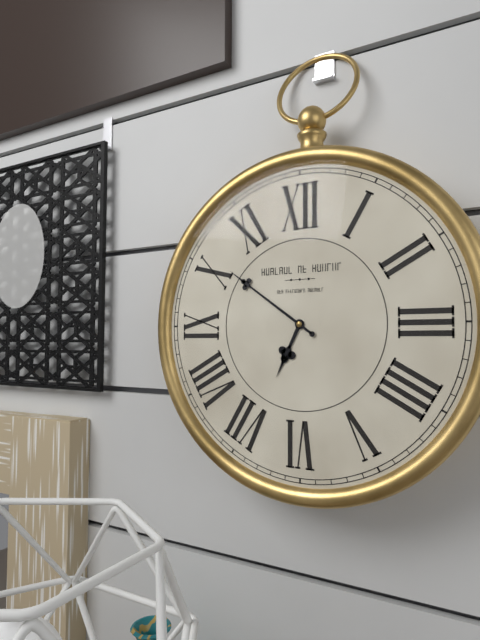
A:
6.51
